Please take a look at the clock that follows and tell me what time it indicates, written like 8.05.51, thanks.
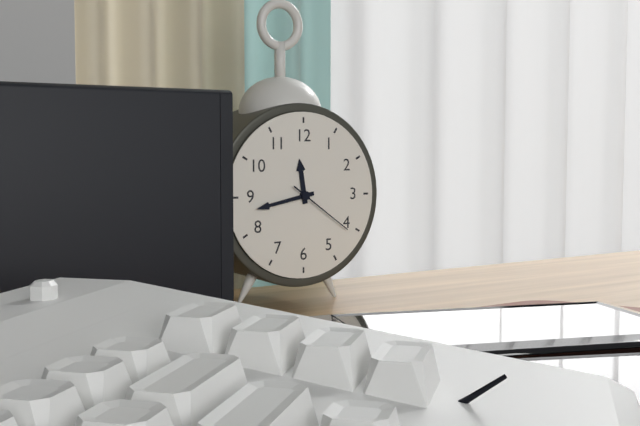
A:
11.43.21
